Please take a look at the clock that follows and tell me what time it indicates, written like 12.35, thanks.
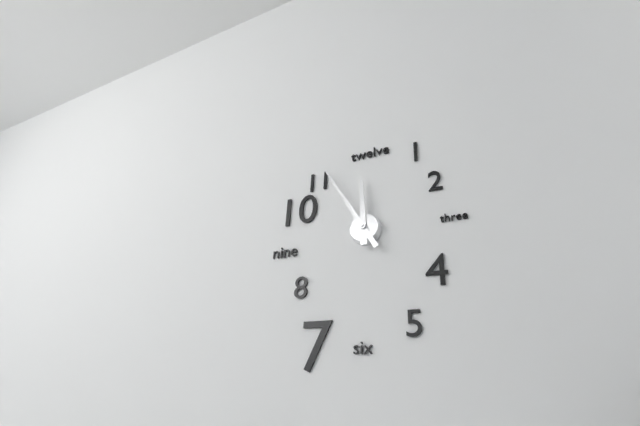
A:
11.55
